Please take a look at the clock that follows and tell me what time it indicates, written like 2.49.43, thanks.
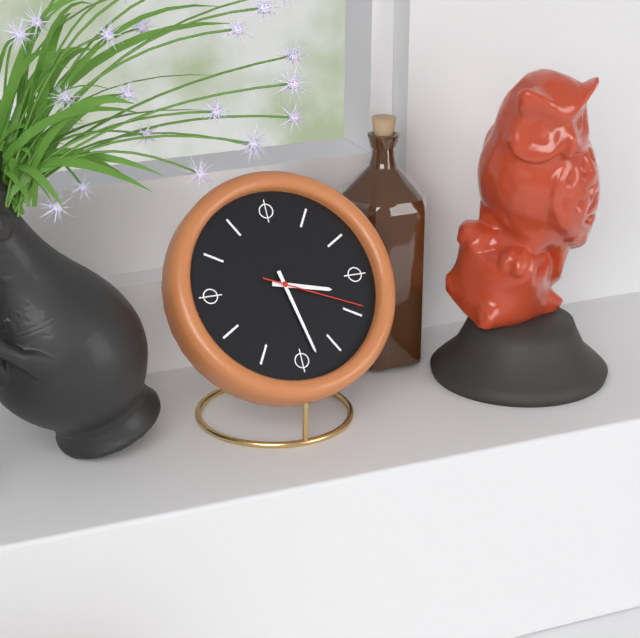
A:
3.28.19
